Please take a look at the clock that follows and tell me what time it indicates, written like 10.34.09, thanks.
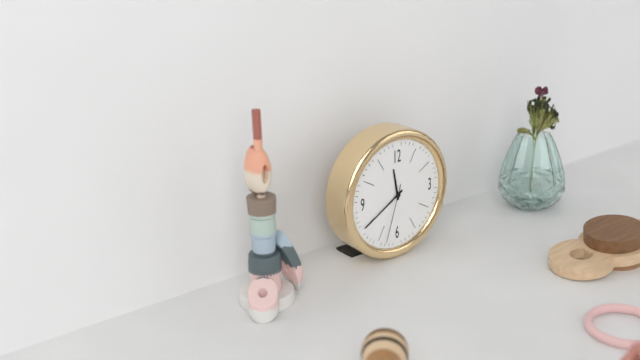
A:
11.40.33
